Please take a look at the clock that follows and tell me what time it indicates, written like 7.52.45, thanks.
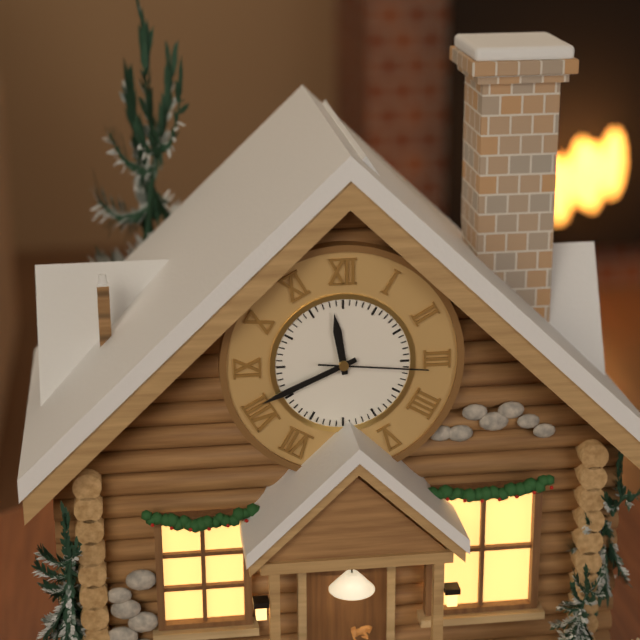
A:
11.41.16
